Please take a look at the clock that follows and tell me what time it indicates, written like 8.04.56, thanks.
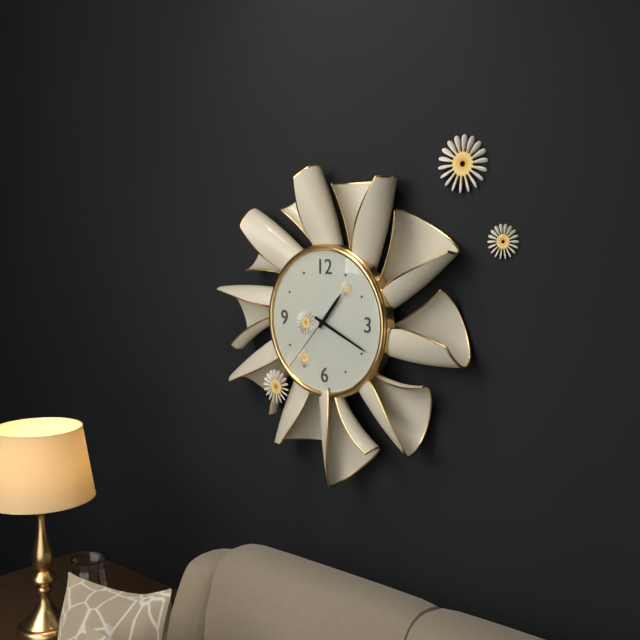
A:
1.19.37
